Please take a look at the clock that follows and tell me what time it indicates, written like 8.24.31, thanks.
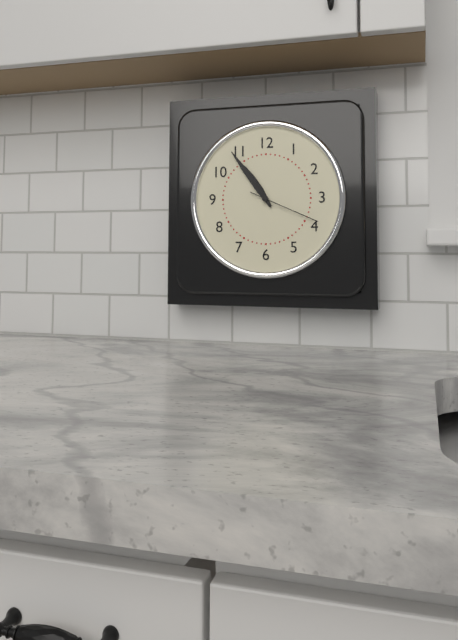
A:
10.54.19
